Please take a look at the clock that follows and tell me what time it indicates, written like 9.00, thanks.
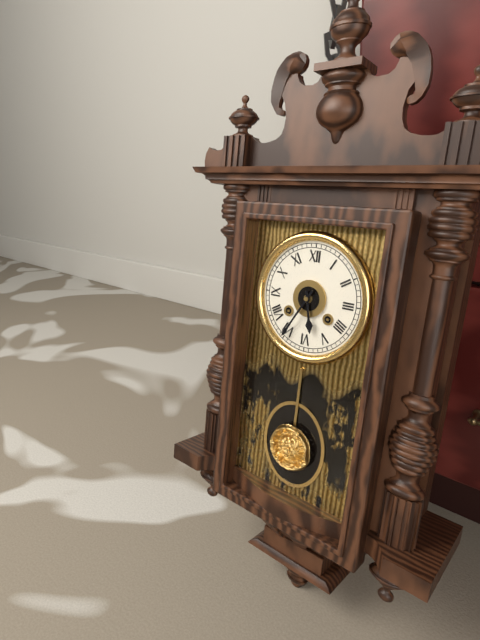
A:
5.35
